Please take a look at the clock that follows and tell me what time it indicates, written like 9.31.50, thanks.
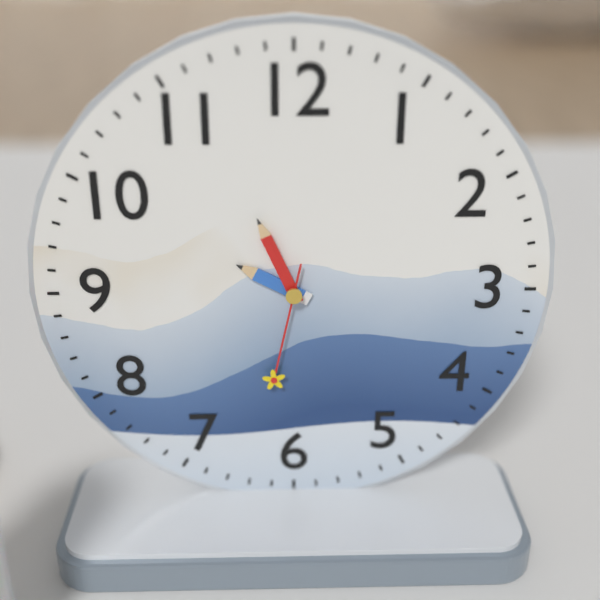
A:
9.56.32
